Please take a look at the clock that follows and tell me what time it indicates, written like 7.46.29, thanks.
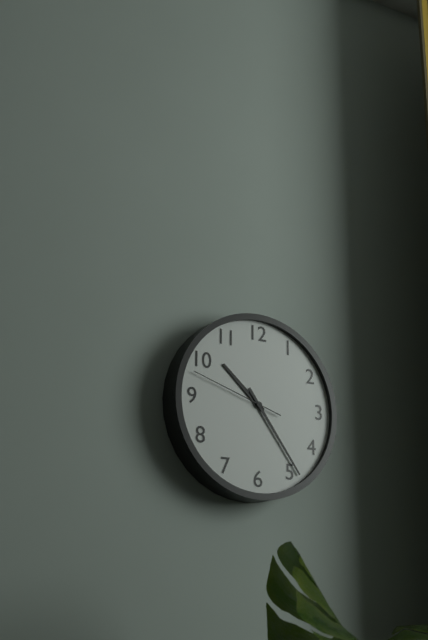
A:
10.24.48
